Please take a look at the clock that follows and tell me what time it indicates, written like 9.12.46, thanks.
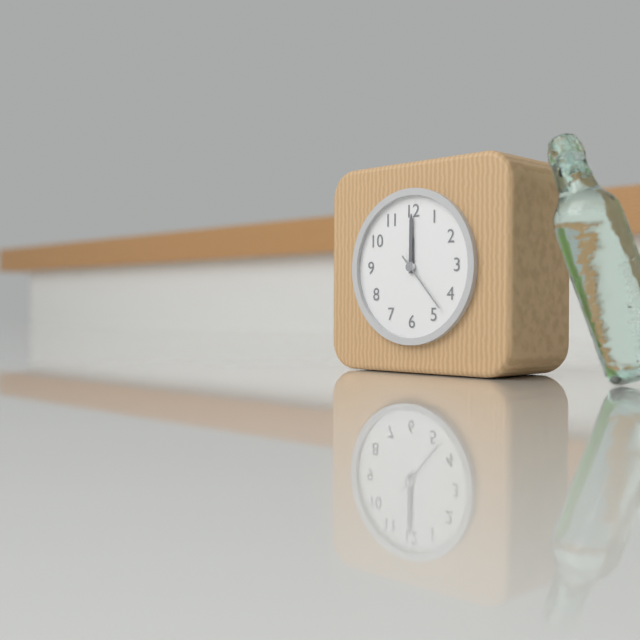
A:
12.00.23
